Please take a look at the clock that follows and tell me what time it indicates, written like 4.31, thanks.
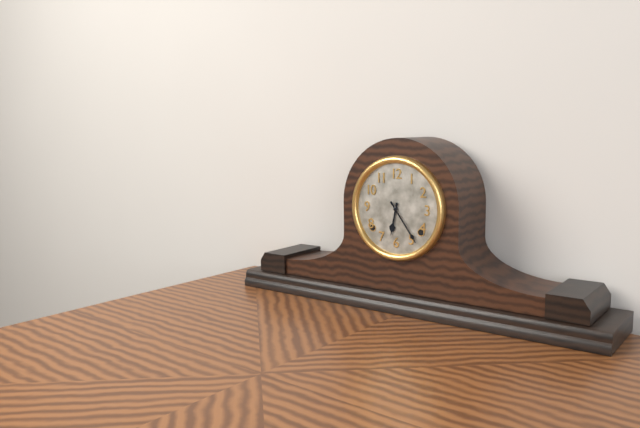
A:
6.24
